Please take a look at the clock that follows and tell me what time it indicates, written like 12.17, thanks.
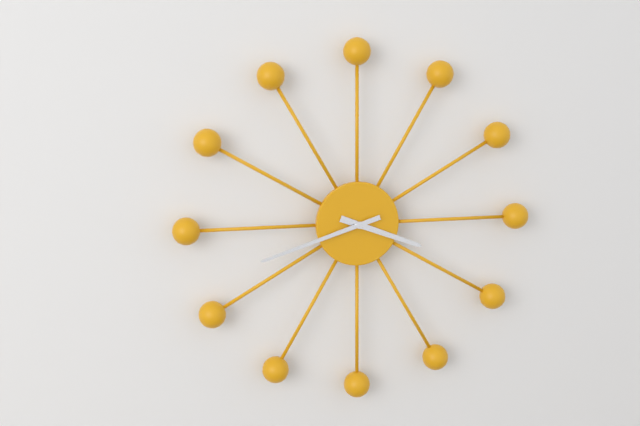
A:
3.42
